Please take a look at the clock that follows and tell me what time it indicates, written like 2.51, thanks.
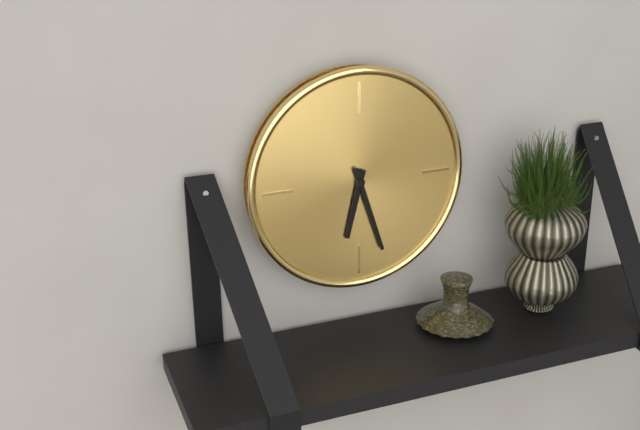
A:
6.27
